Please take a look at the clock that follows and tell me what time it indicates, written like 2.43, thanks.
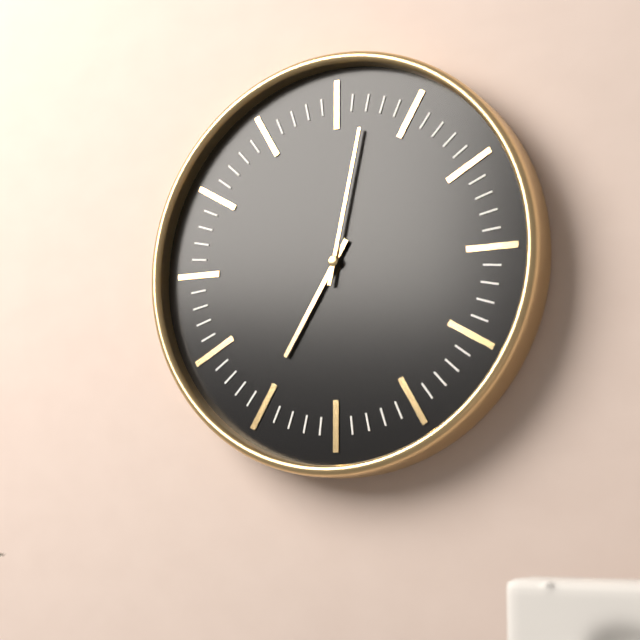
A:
7.02
